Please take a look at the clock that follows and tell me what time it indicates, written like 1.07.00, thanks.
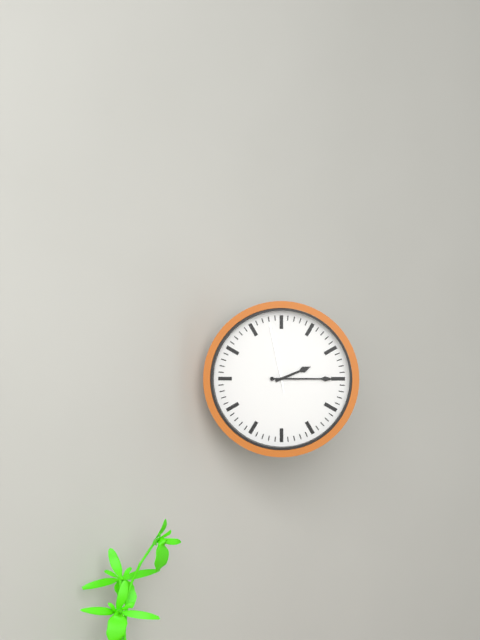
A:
2.15.58
